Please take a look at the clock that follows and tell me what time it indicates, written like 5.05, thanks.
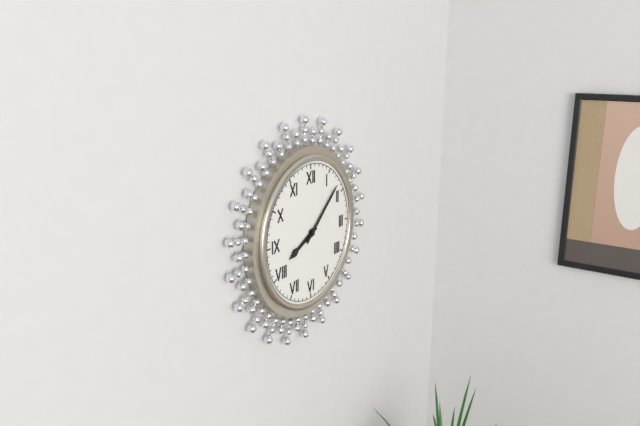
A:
8.08
